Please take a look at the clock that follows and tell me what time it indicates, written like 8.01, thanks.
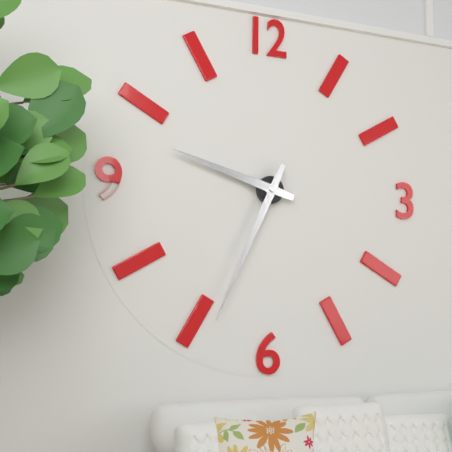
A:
9.34
